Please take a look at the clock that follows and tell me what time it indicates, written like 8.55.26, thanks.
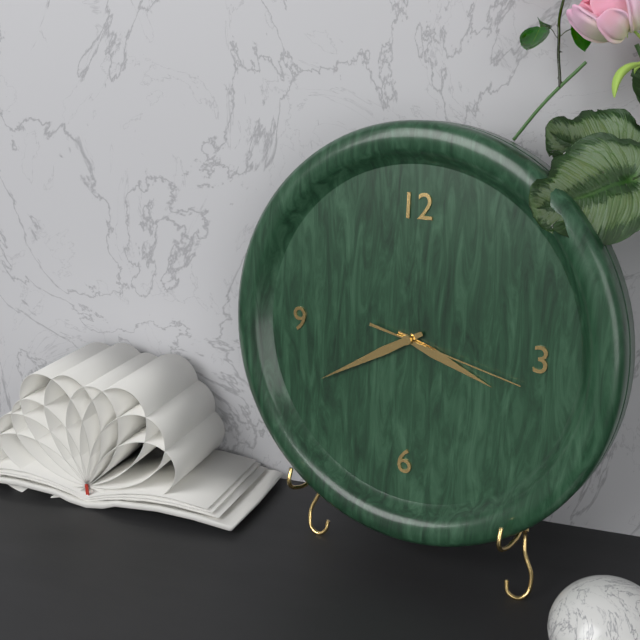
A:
3.40.17
